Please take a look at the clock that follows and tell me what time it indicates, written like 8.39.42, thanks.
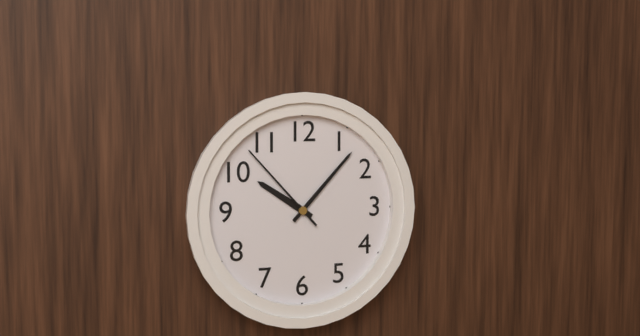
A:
10.07.53
